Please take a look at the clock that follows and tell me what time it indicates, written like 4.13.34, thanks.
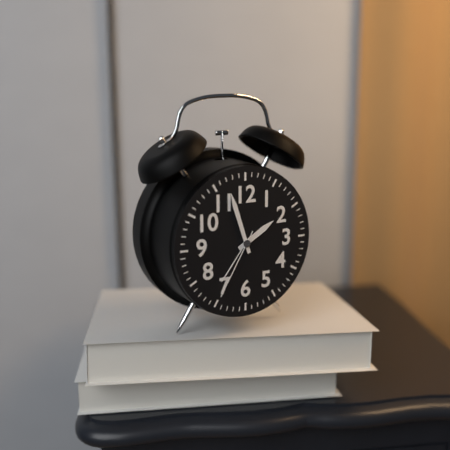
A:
1.57.35
